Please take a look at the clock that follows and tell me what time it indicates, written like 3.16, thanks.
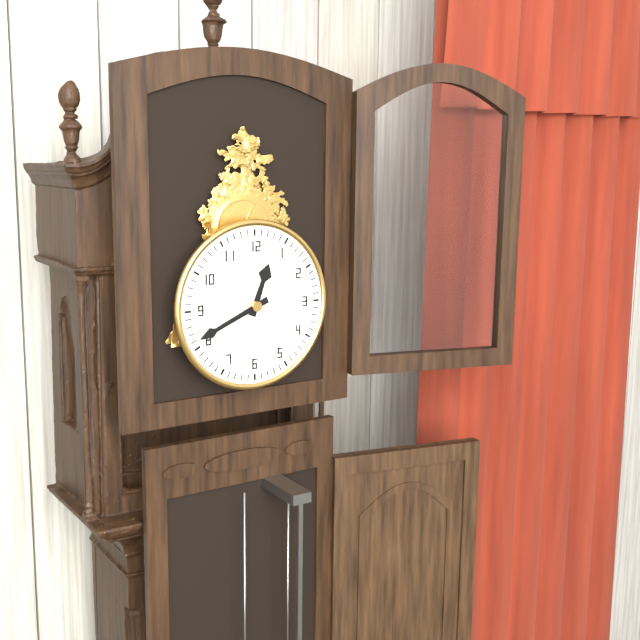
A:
12.41
